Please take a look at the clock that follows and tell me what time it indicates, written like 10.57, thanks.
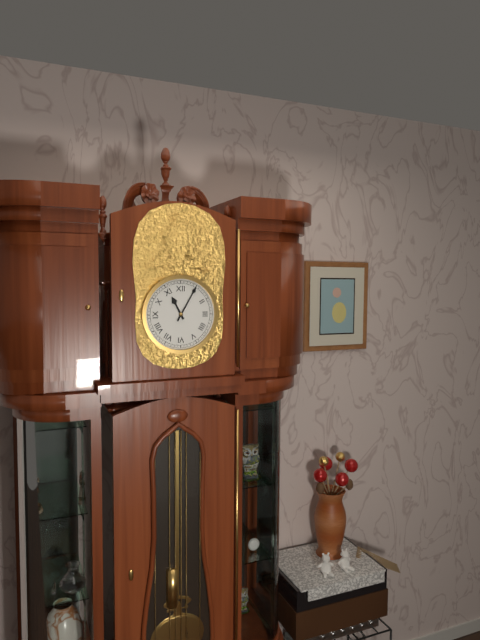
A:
11.05
